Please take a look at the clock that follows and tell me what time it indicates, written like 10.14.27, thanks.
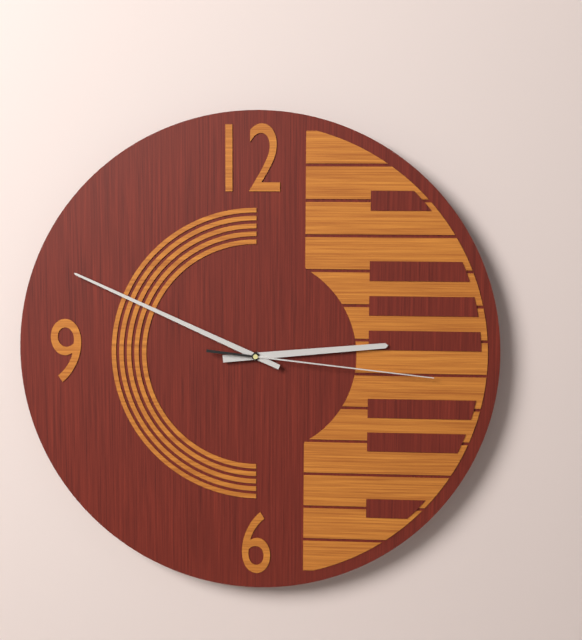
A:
2.49.16
